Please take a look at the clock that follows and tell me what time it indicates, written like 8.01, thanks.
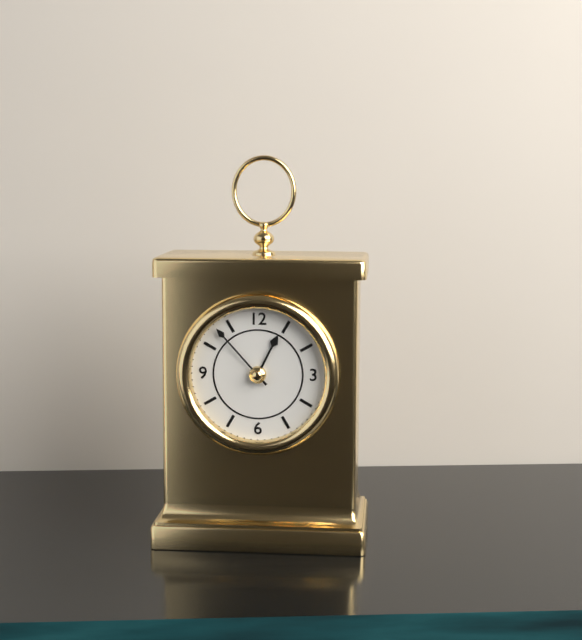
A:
12.53
